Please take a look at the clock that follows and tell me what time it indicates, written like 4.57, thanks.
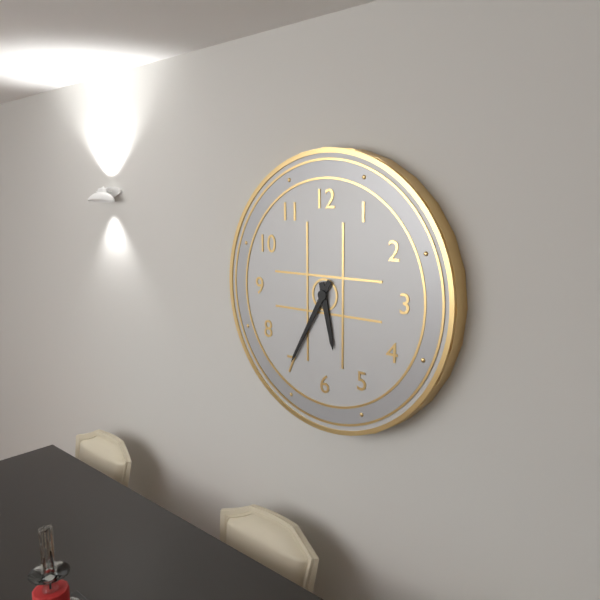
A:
5.35
